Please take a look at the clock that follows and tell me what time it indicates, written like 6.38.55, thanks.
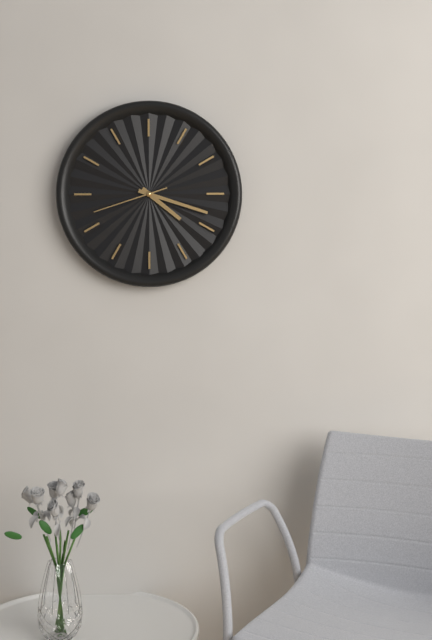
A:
4.18.42
